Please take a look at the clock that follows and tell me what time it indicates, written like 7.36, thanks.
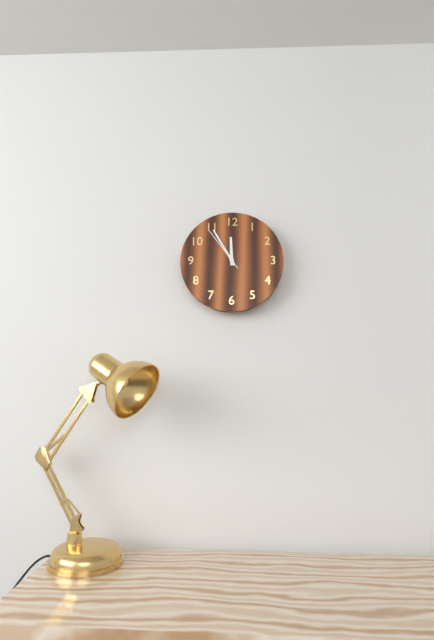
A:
11.55
